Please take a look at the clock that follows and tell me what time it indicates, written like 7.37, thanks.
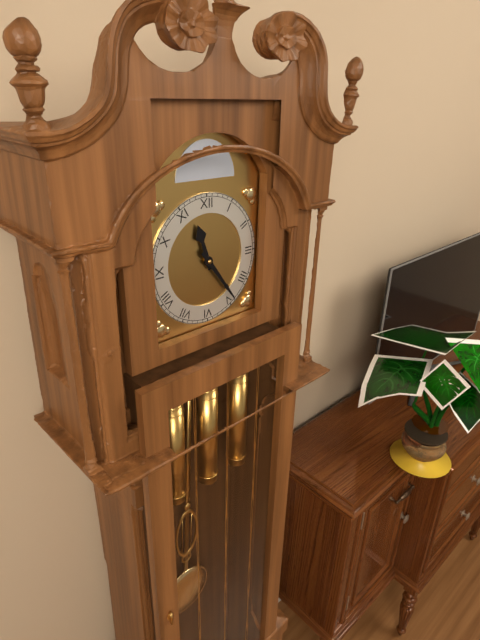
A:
11.24
